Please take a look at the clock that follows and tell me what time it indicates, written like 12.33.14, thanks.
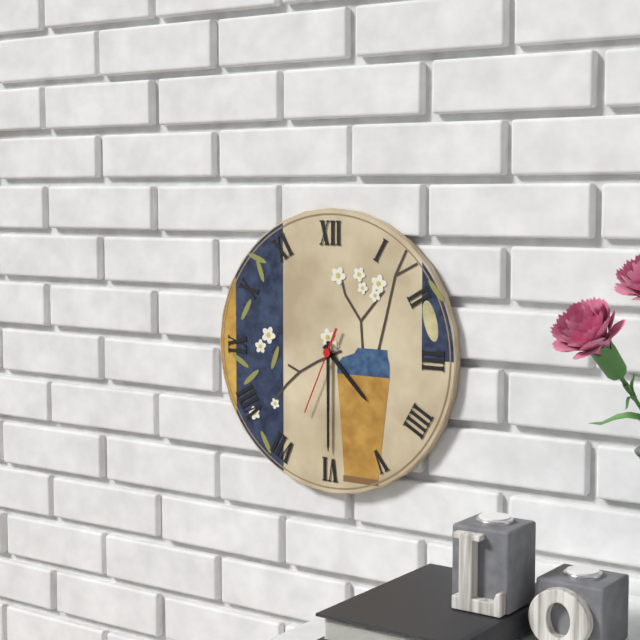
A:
4.30.34
